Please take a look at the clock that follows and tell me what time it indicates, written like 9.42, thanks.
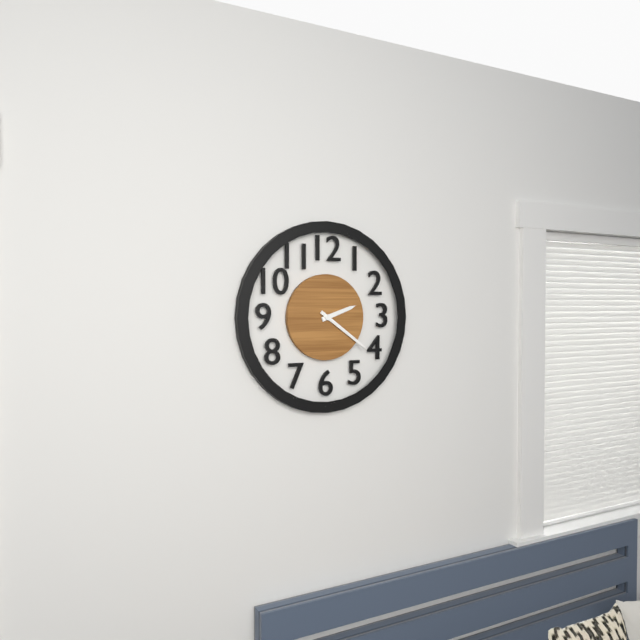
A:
2.21
